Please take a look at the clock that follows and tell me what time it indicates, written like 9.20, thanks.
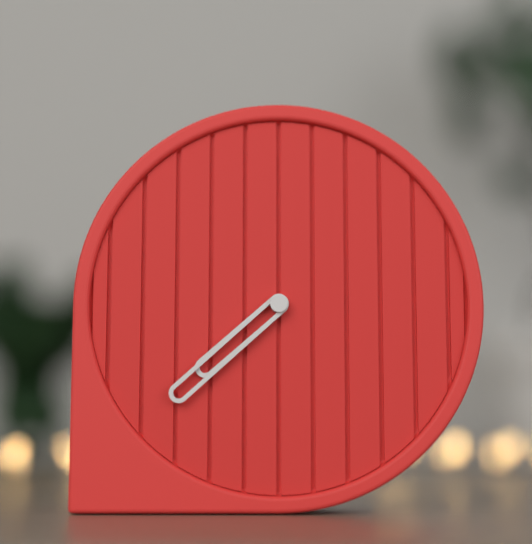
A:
7.38
